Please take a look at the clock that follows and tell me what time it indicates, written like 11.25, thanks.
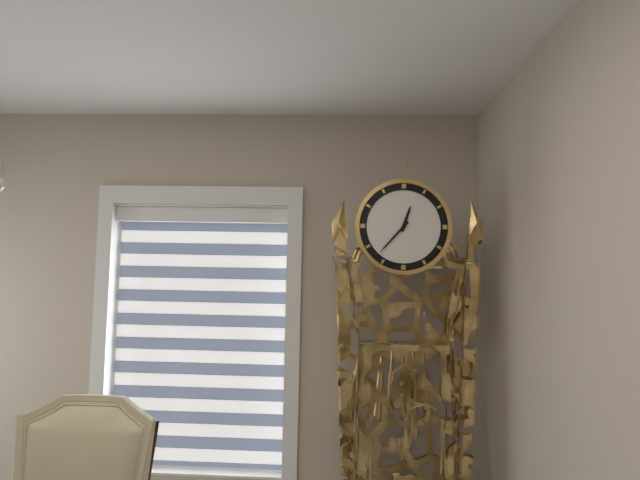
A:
12.37
